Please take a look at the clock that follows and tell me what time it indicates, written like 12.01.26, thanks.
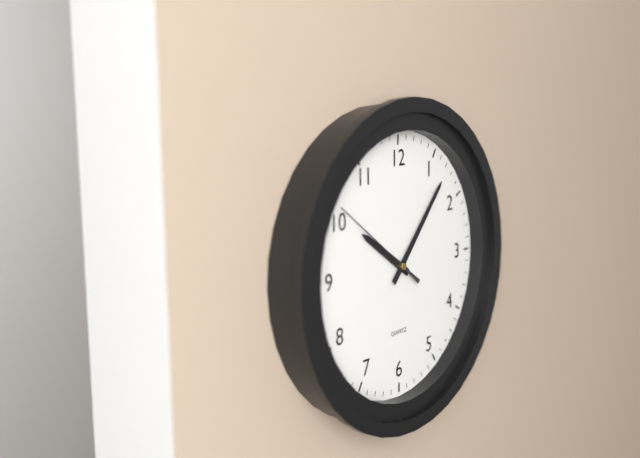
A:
10.07.51
